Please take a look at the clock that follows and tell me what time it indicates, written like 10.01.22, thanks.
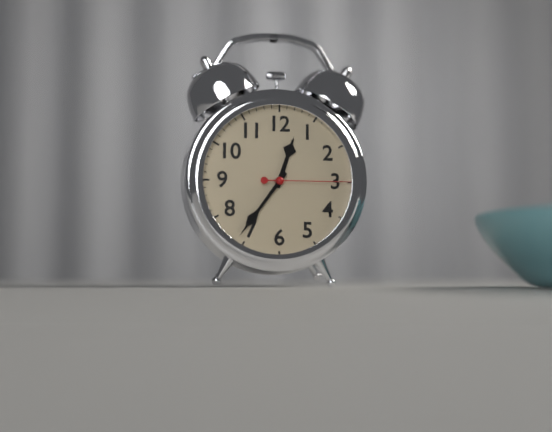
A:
12.36.15
